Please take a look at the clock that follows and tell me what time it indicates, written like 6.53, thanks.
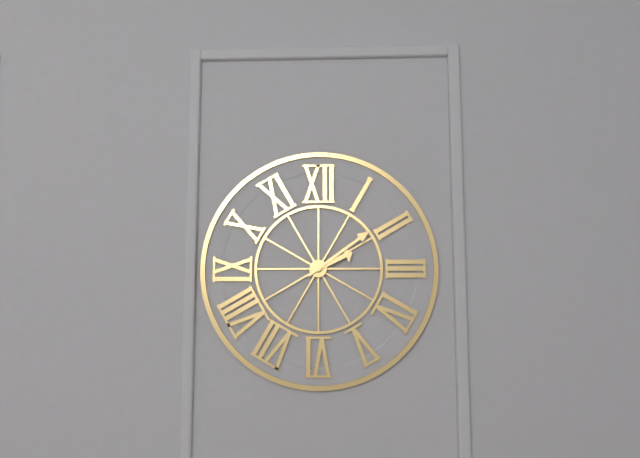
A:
2.09
